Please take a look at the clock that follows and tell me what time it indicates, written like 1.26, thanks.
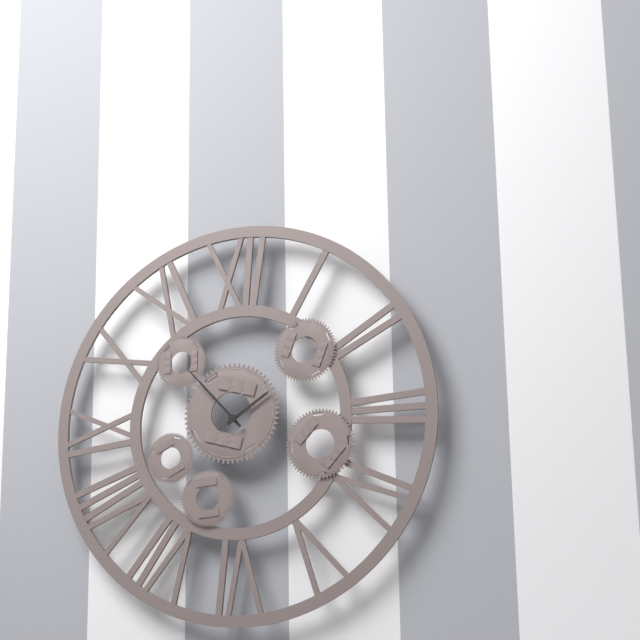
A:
1.53
